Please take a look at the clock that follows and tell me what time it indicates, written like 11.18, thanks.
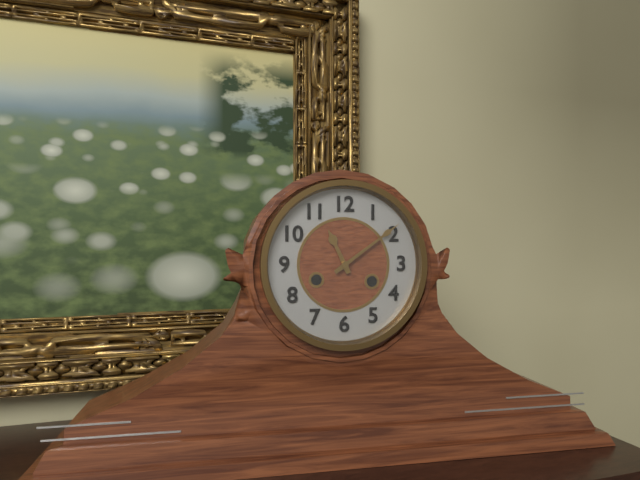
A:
11.09
